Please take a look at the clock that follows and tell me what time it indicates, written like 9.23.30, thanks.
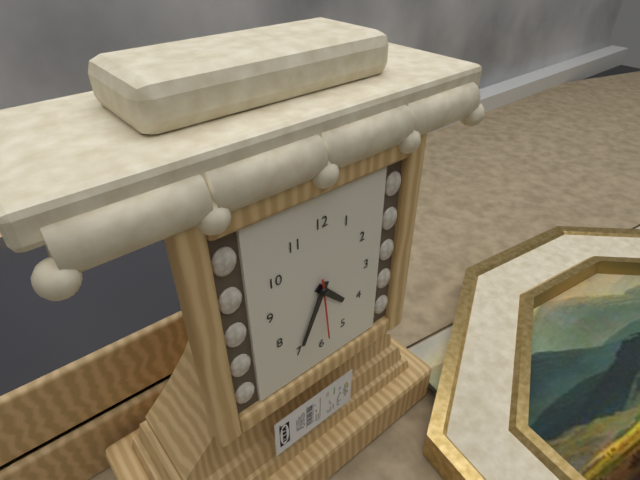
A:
4.34.29
